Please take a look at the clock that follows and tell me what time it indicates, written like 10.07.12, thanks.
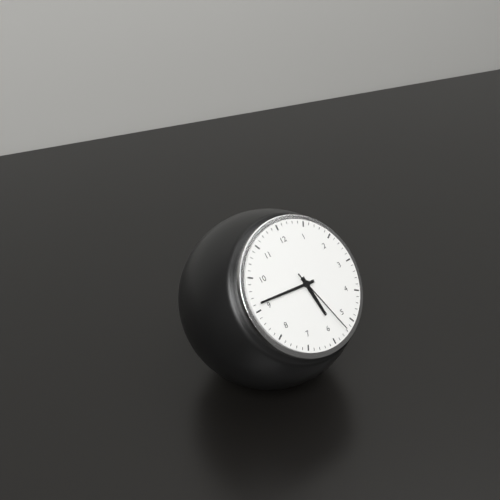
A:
5.46.27
